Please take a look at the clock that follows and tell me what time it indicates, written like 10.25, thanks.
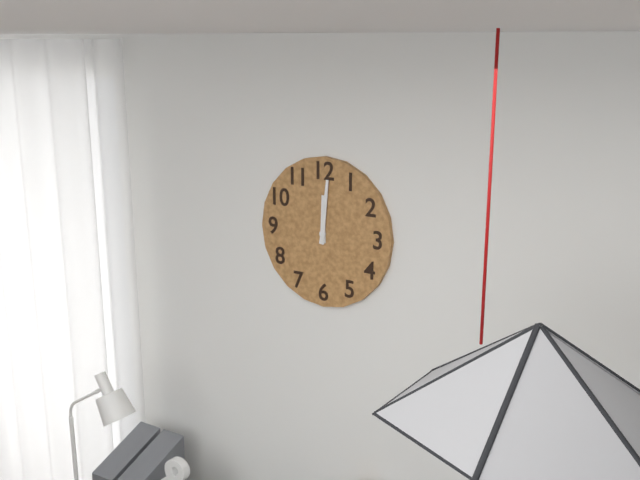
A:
12.01
